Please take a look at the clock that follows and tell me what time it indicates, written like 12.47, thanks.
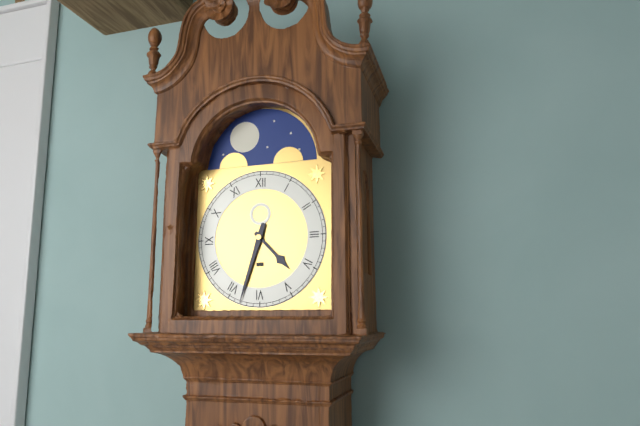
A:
4.33
